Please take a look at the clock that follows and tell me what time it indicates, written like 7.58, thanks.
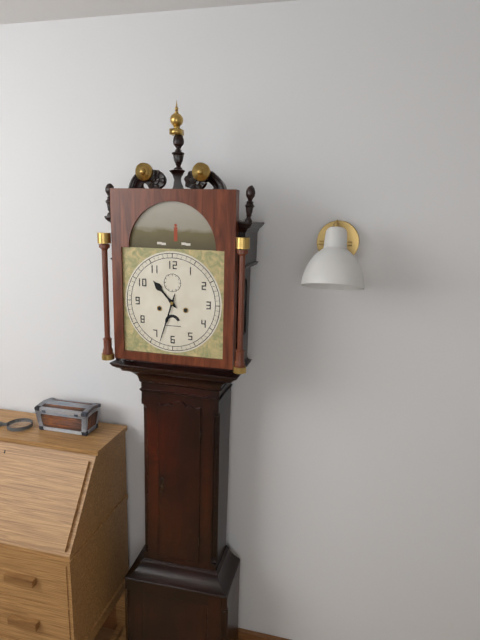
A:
10.33
